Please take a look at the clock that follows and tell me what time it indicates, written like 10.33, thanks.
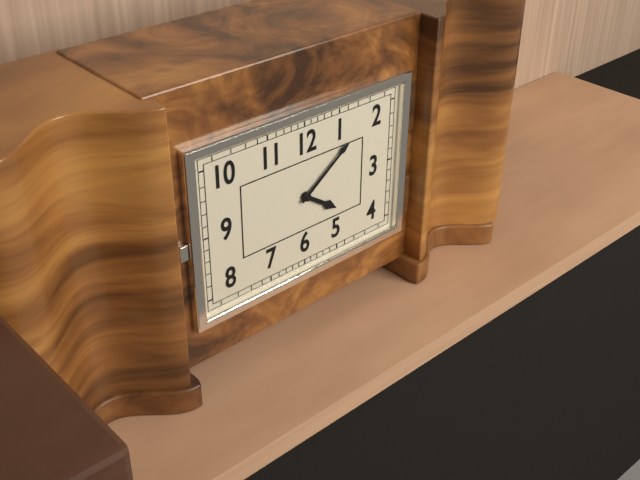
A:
4.09
